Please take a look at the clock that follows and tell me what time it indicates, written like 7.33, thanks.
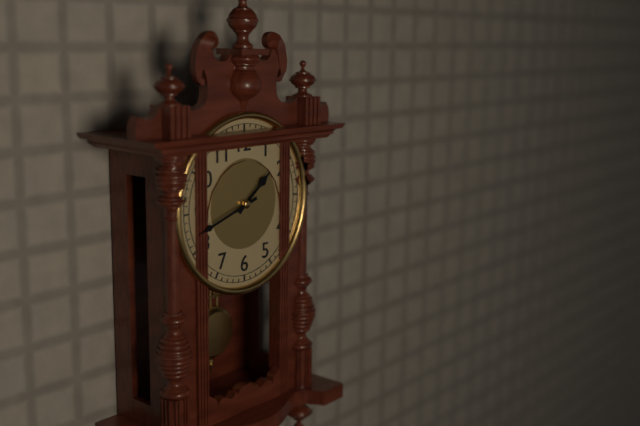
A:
1.42
